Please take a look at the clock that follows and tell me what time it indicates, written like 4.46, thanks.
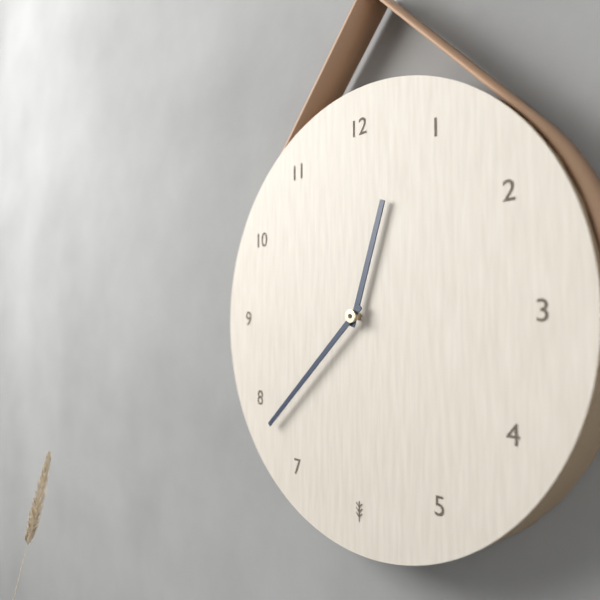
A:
12.38
